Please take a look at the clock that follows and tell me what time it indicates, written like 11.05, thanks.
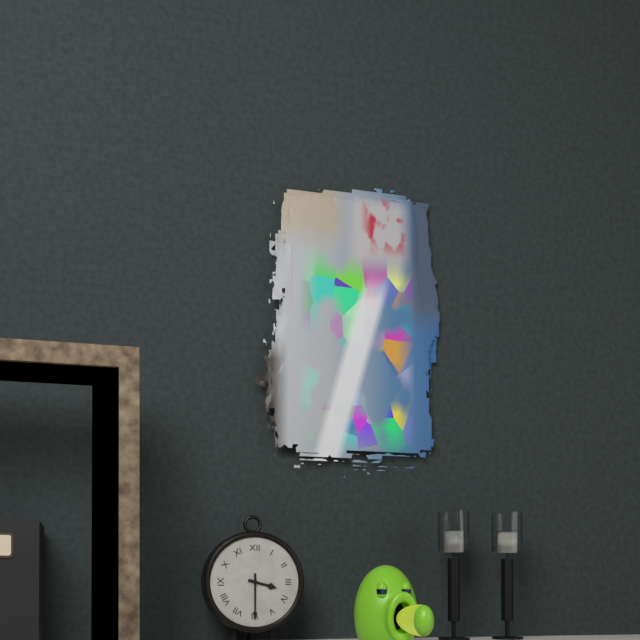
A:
3.30
